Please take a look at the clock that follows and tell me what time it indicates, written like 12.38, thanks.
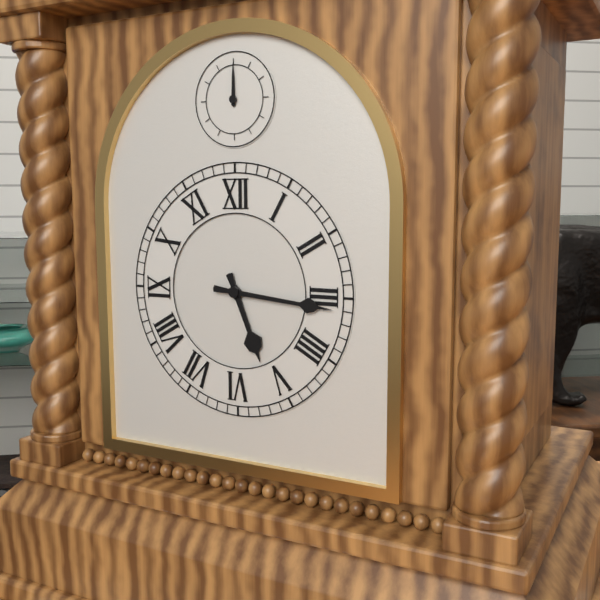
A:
5.16
